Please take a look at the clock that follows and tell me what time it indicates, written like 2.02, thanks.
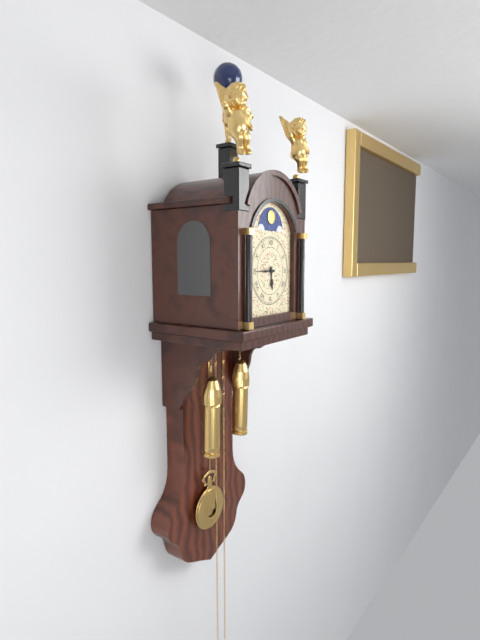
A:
5.45
